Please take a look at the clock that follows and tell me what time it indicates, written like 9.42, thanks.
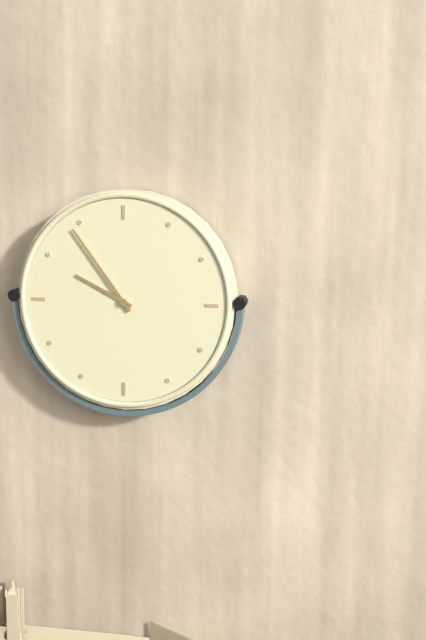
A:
9.54
